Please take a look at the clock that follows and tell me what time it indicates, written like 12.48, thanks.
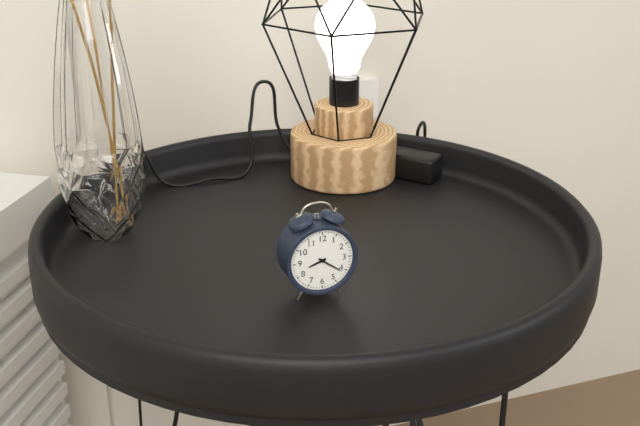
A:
8.21
